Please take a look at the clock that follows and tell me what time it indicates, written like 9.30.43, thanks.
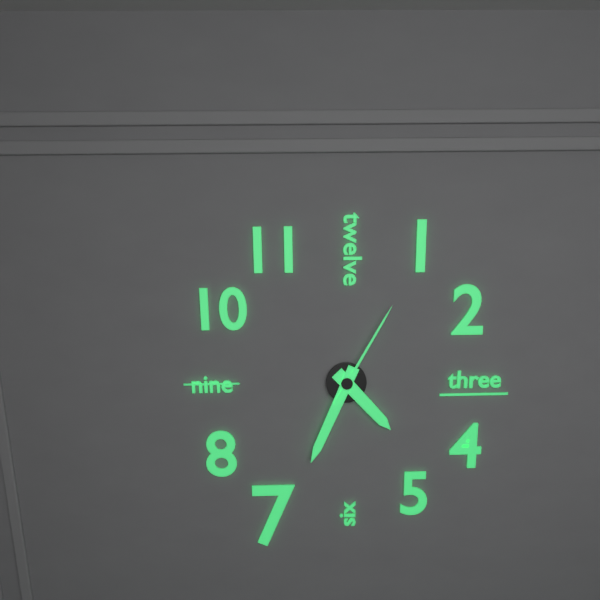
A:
4.34.05
